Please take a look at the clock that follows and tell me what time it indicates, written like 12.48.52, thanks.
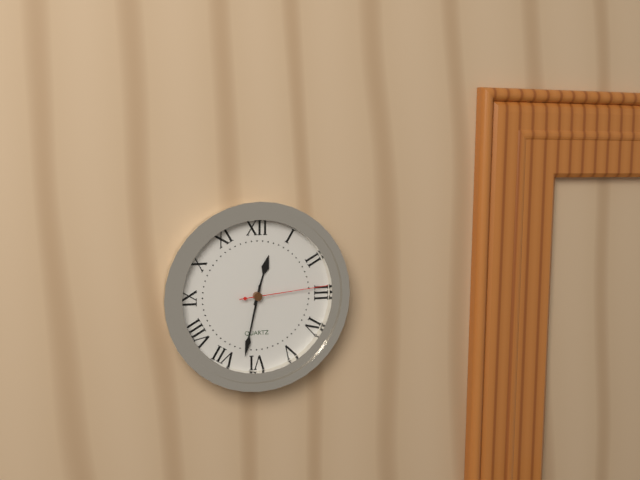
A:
12.32.14
